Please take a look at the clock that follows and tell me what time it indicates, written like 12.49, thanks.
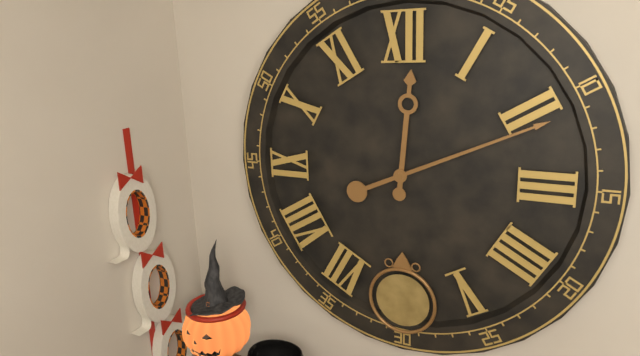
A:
12.11
